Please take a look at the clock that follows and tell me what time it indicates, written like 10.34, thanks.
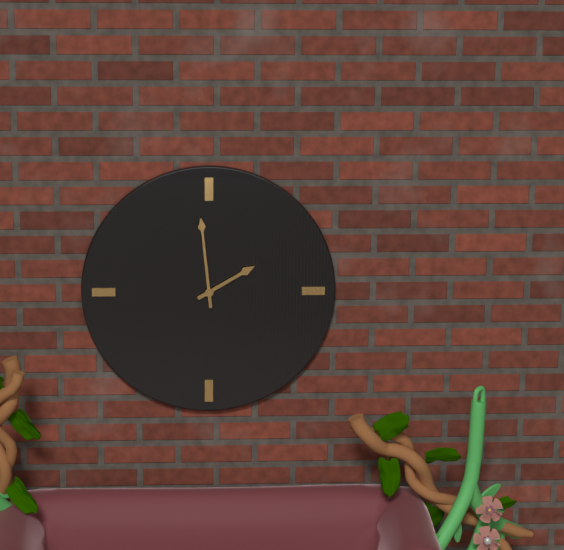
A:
1.59
